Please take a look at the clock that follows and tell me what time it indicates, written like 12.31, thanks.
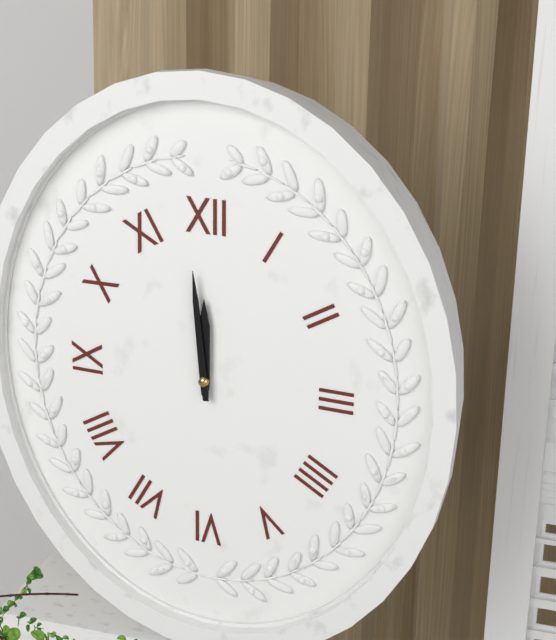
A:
11.59
